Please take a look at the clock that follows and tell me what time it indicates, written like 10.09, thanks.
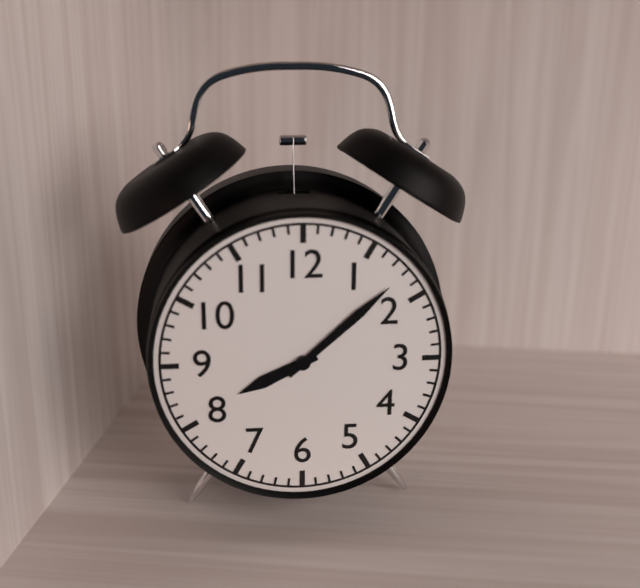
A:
8.08
